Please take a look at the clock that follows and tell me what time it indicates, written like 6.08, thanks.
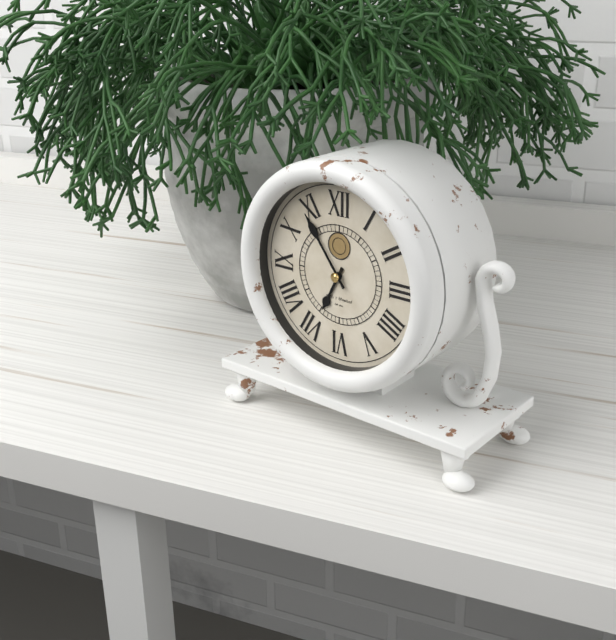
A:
6.54
